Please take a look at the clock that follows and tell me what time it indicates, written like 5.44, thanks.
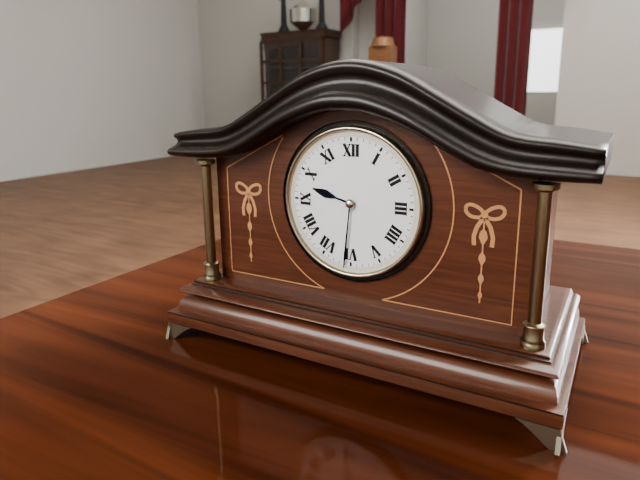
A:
9.31
